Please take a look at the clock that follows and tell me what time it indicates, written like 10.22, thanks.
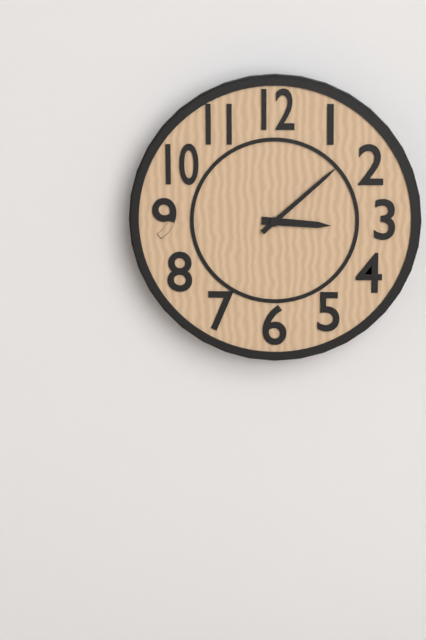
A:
3.08
